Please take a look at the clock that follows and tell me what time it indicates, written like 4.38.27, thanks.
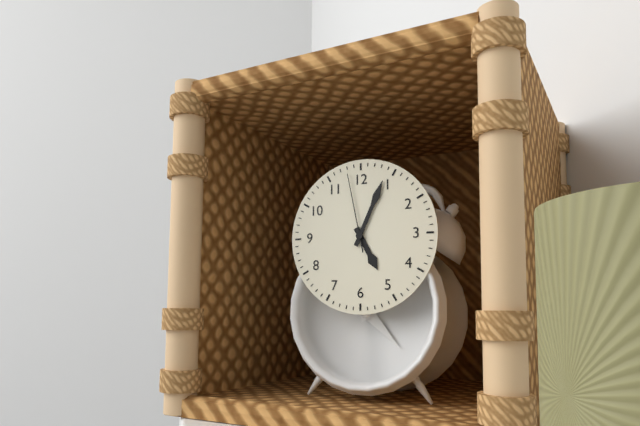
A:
5.04.58
